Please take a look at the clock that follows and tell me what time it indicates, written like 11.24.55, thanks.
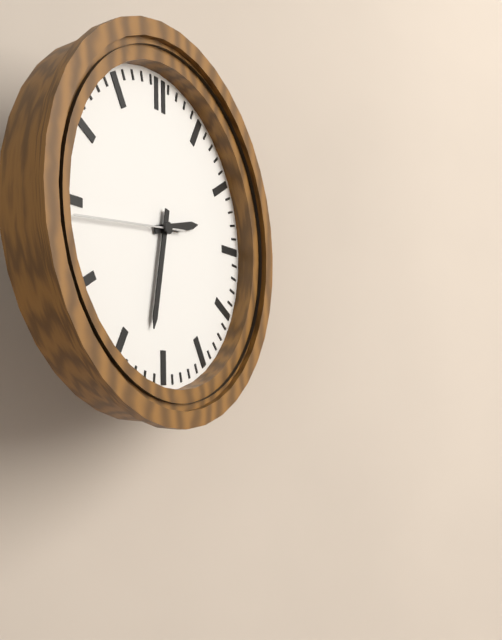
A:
2.32.44
